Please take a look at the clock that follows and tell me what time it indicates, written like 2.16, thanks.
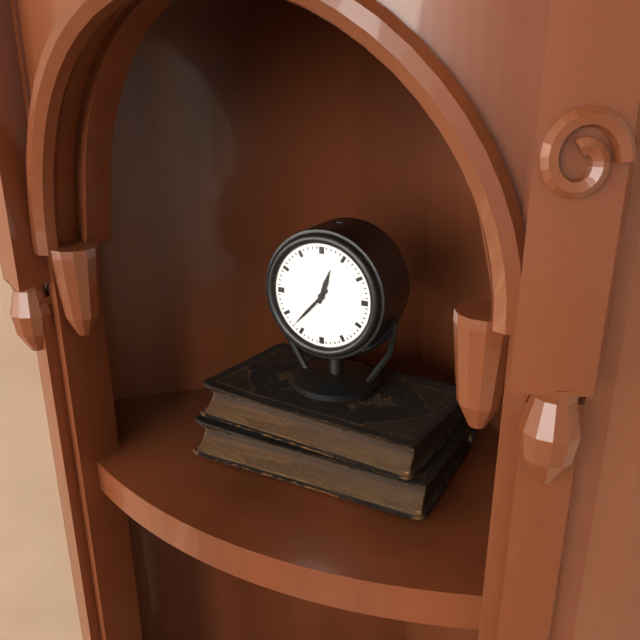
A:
12.37
